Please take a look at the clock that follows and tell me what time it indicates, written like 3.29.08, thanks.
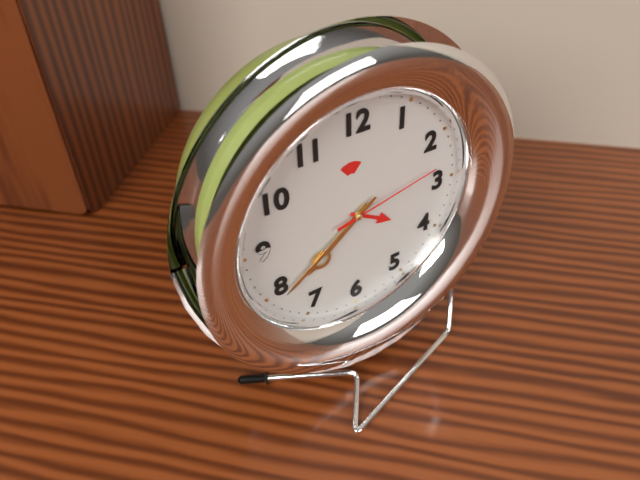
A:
7.39.13
